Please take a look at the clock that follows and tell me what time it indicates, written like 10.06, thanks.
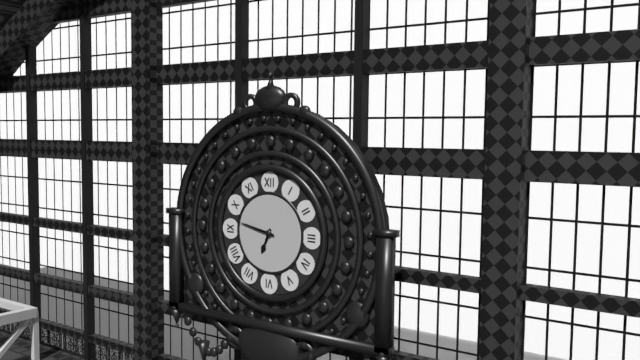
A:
6.47
